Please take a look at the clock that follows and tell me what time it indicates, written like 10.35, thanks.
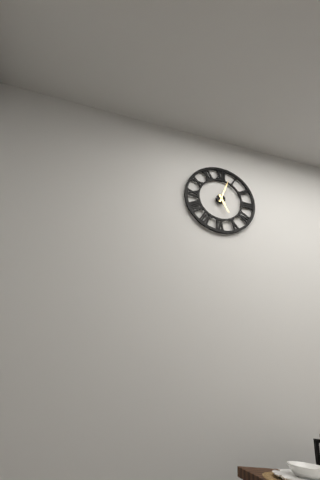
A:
5.03
